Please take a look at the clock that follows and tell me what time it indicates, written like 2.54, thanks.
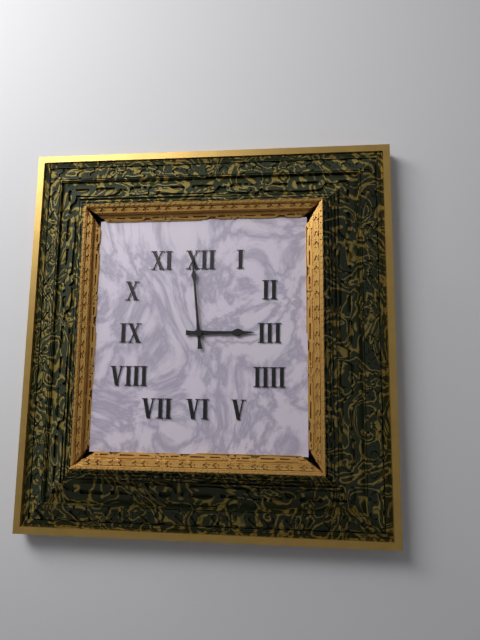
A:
2.59
